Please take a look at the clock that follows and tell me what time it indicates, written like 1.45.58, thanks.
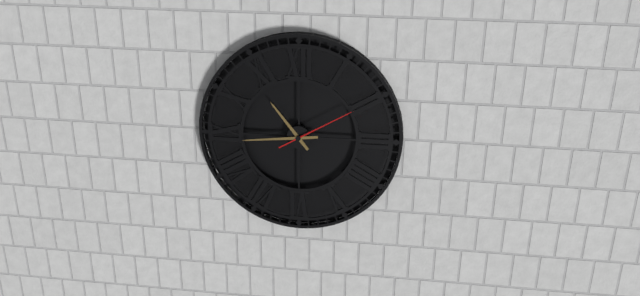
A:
10.44.10
